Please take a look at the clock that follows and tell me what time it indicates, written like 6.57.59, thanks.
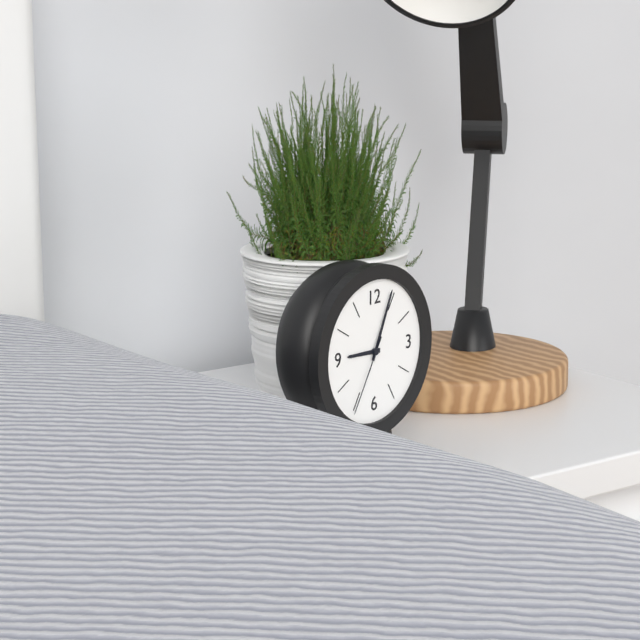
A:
9.04.35
